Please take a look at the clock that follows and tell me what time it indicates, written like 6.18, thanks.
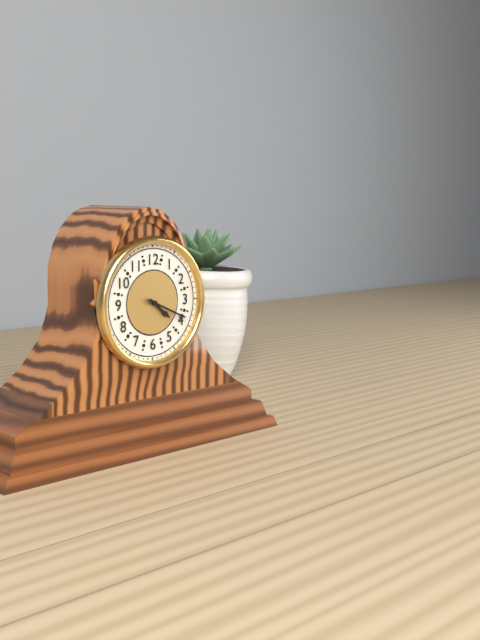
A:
4.19
